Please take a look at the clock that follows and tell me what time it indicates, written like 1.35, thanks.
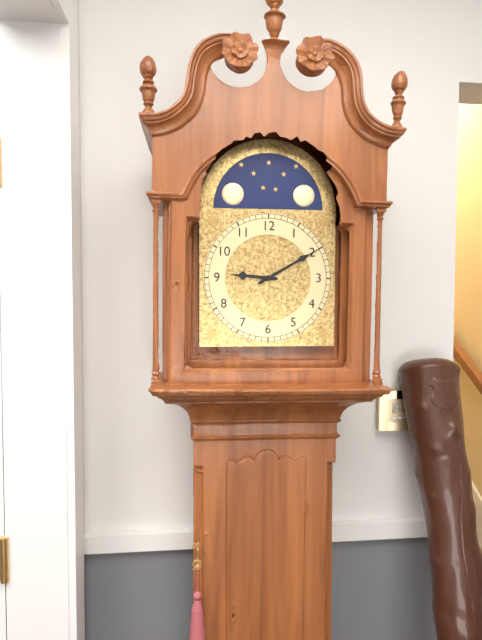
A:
9.10
